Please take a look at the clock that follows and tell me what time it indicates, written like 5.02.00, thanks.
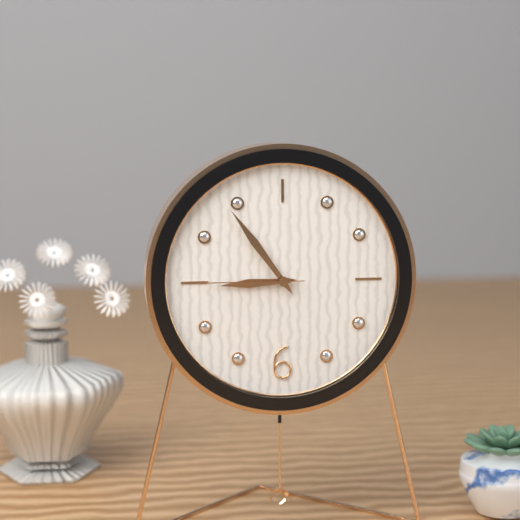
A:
8.54.45
